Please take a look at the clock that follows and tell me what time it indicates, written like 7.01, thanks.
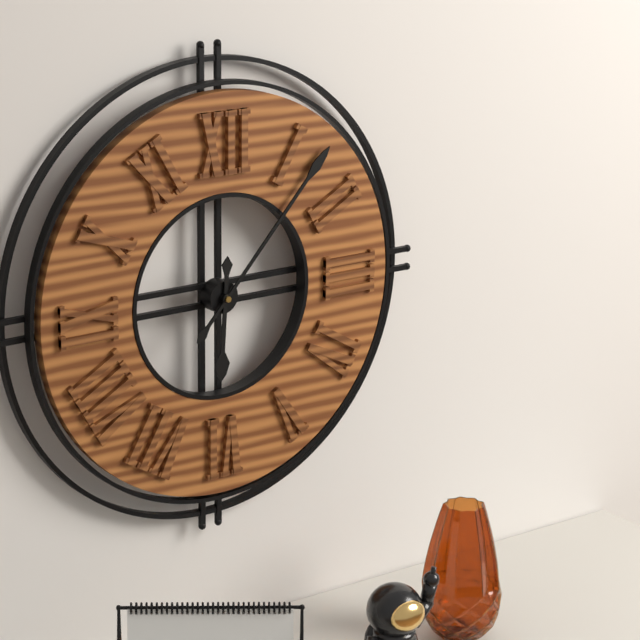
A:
6.07
